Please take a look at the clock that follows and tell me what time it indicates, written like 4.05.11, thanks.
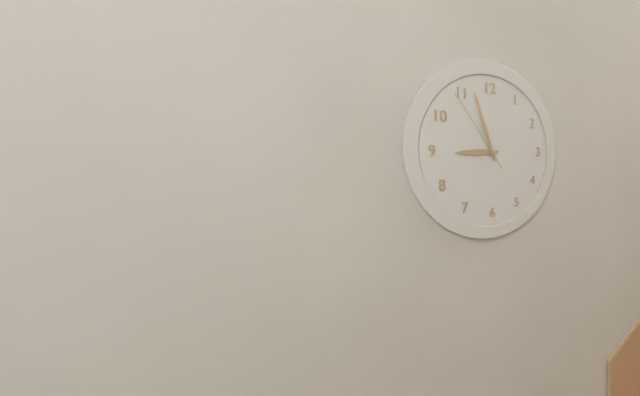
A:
8.57.54
